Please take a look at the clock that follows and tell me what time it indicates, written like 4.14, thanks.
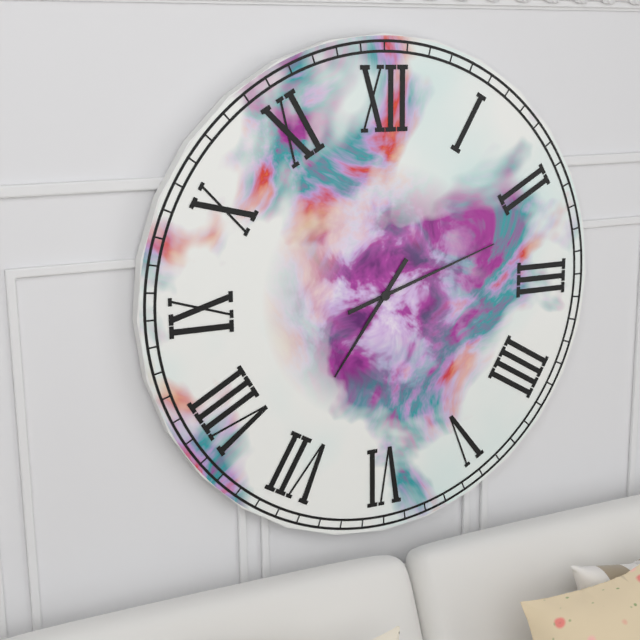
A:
7.12
